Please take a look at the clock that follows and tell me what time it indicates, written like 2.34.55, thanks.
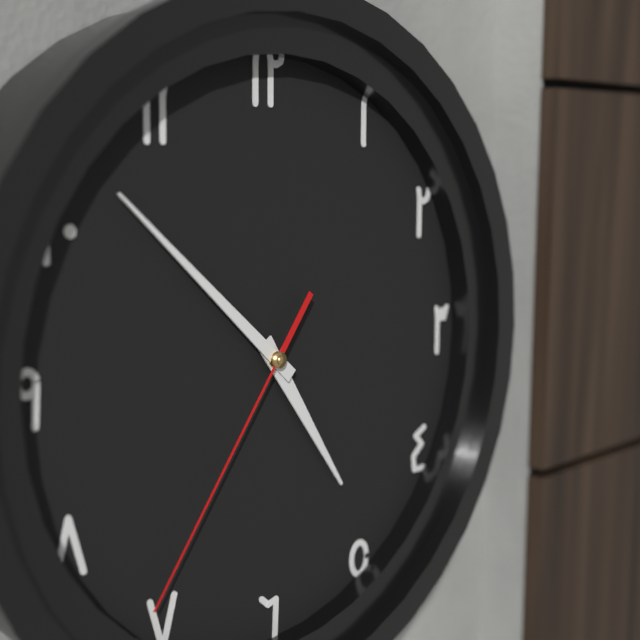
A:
4.52.36
